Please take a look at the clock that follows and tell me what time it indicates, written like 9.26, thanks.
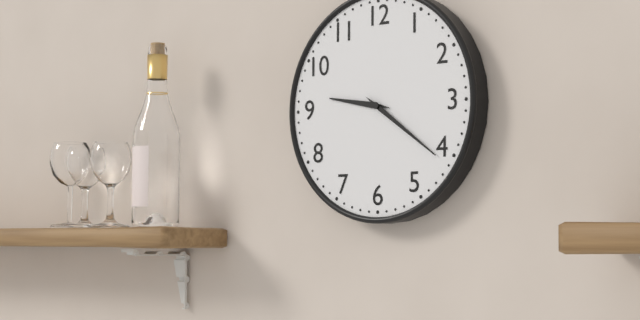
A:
9.21
